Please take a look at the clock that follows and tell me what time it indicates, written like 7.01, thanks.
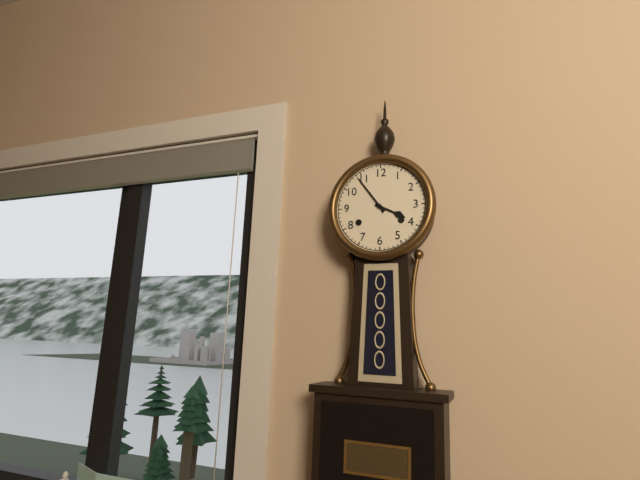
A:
3.54
